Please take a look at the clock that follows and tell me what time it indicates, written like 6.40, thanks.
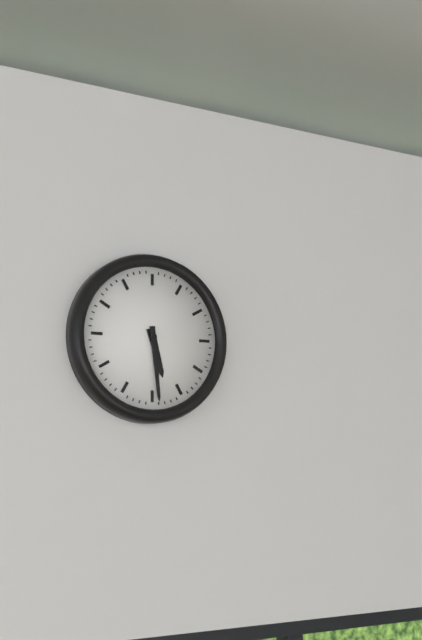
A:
5.29
